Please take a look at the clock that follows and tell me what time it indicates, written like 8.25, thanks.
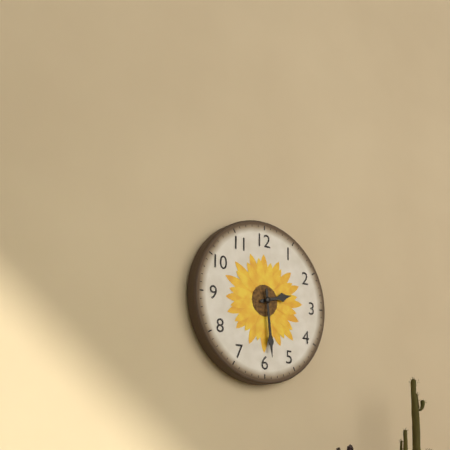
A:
2.29
